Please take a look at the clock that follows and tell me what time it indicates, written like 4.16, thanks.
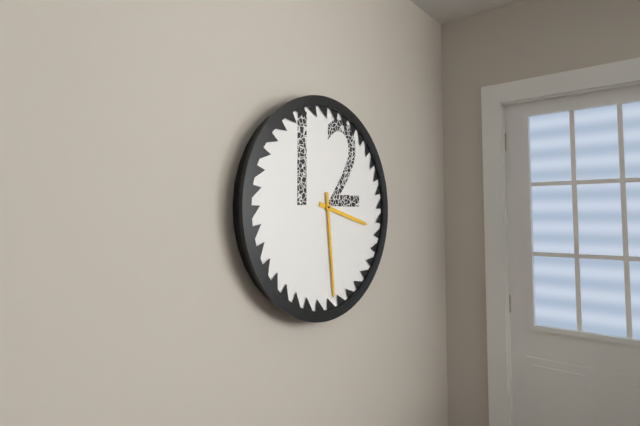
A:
3.29
